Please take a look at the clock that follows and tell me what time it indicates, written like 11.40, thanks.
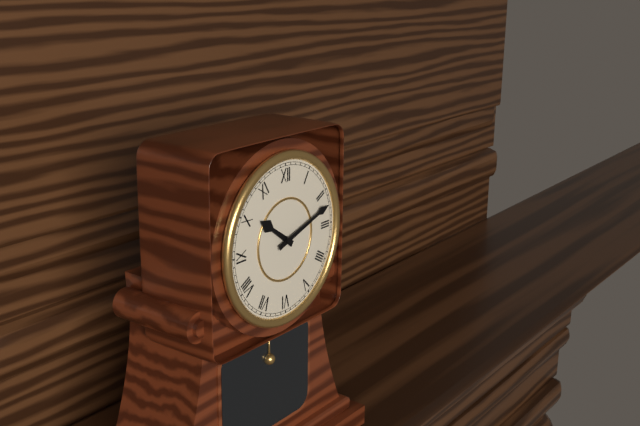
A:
10.12
